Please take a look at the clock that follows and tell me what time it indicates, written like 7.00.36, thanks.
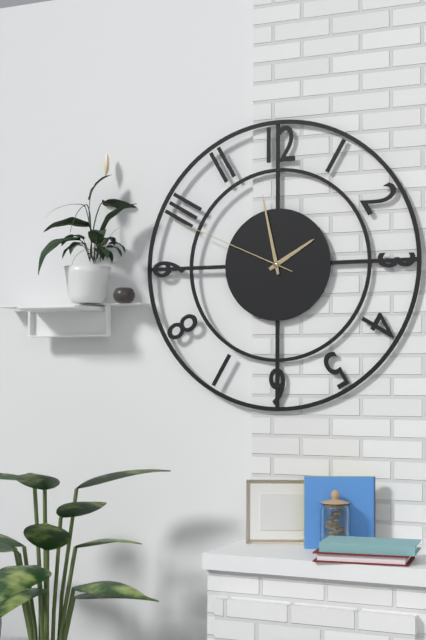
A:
1.58.49
